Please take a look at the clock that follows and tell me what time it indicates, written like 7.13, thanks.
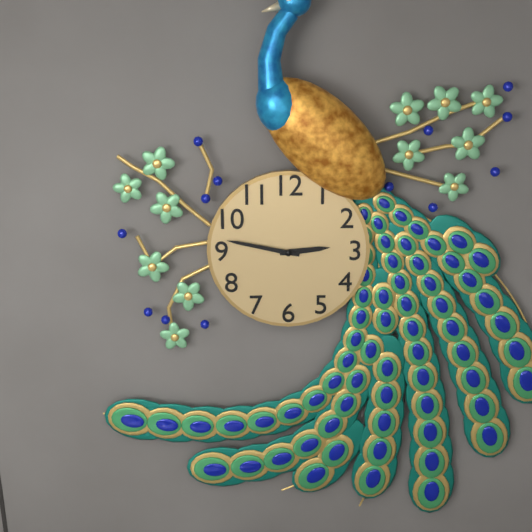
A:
2.47
